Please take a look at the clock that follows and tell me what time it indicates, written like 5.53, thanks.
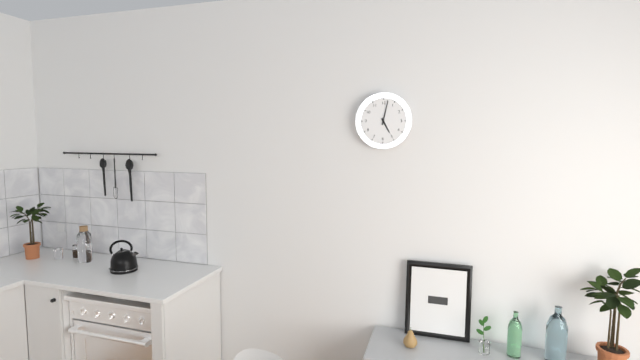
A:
5.02
